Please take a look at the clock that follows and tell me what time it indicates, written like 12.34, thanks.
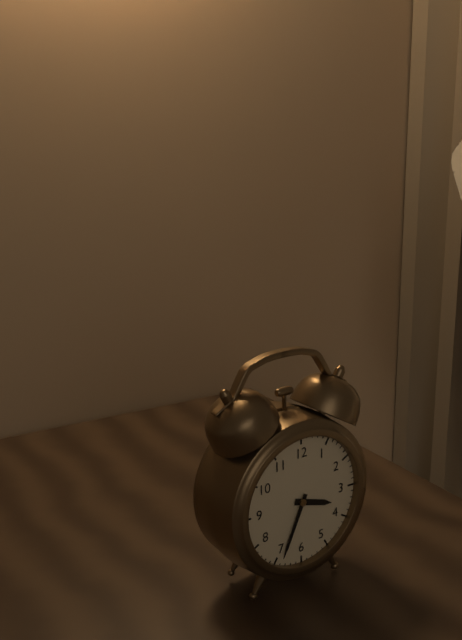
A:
3.34
